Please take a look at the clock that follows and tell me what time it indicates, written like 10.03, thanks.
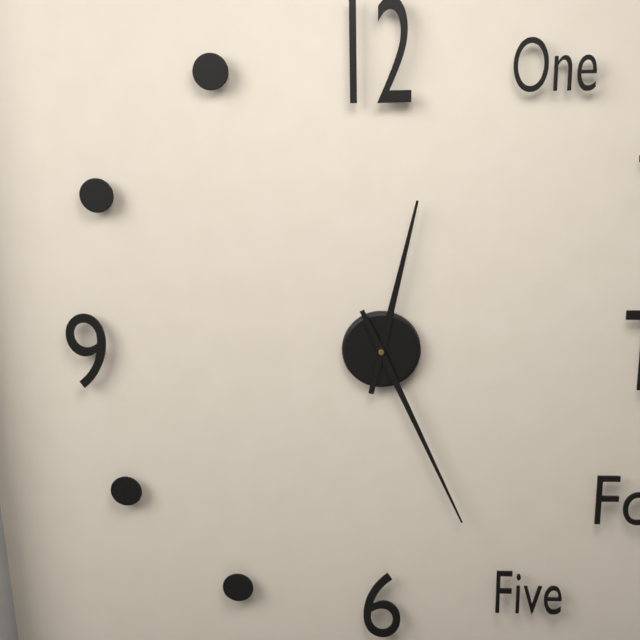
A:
12.26
